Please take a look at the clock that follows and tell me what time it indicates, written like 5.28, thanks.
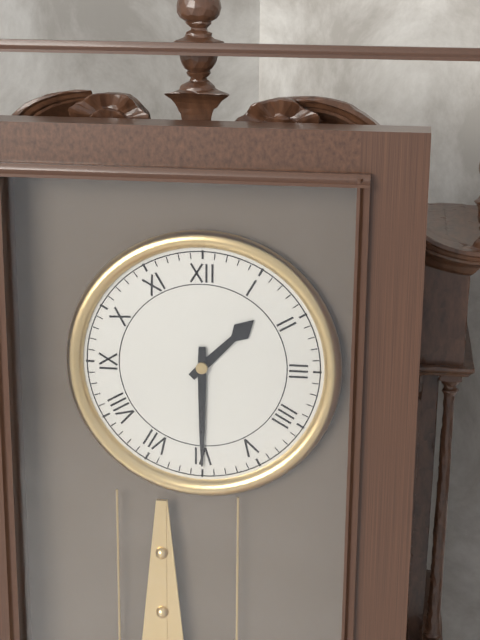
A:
1.30
